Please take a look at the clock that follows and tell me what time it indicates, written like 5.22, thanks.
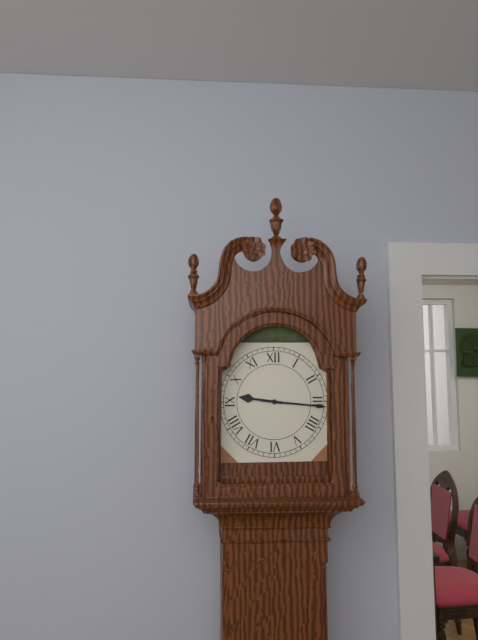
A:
9.16
